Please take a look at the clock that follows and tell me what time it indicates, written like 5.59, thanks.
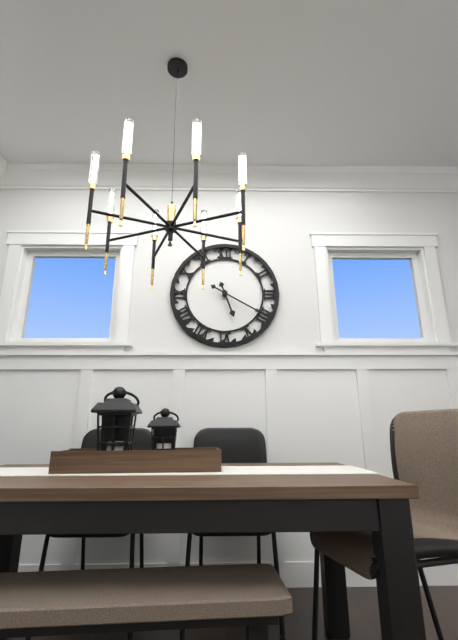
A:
5.20
